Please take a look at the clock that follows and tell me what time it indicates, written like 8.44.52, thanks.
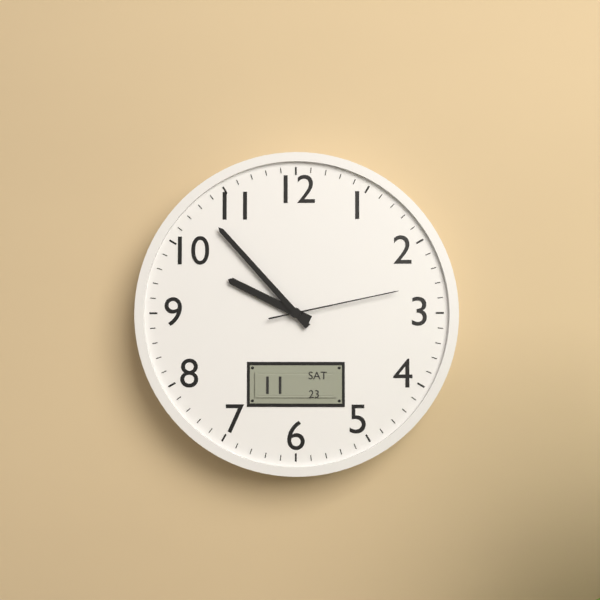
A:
9.53.13
